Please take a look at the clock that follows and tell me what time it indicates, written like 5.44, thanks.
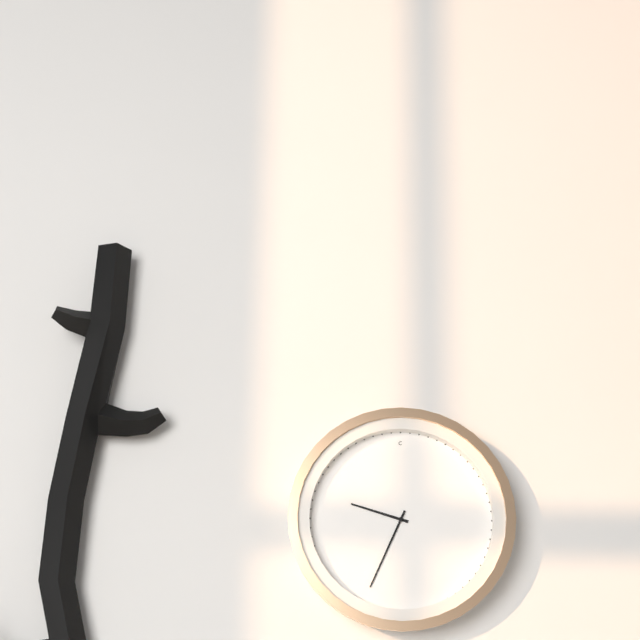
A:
9.34
